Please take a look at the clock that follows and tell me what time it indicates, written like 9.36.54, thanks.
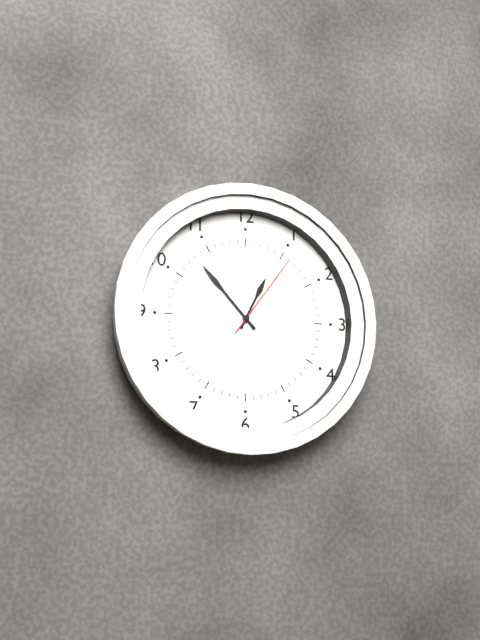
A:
12.53.06
